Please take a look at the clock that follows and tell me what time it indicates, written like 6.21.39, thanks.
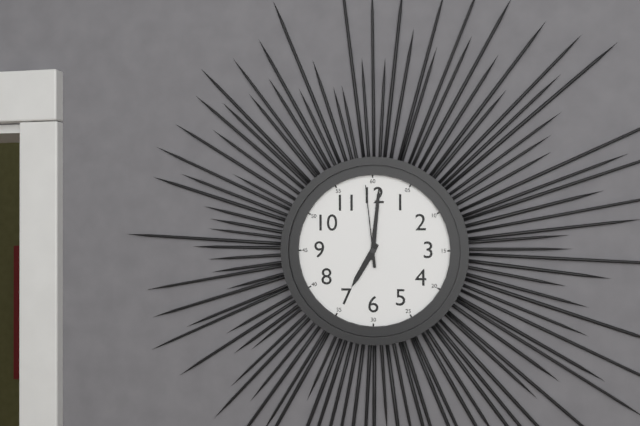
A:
7.01.59
